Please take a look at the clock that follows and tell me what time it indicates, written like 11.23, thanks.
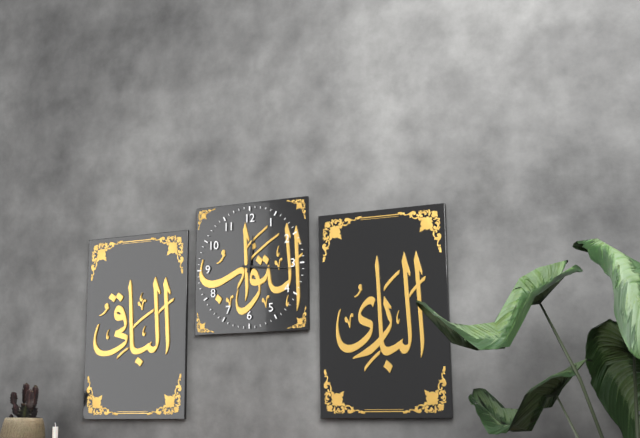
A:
12.16
